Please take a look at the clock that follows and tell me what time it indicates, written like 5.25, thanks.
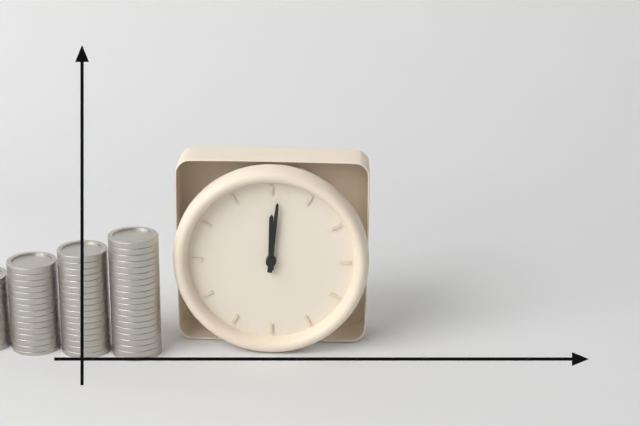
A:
12.01
